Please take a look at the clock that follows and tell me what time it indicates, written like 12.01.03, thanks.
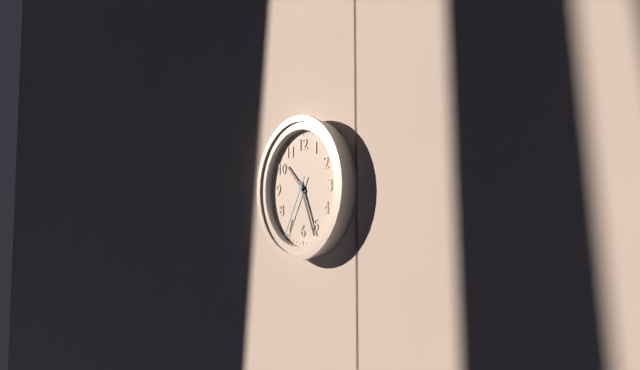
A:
10.26.35
